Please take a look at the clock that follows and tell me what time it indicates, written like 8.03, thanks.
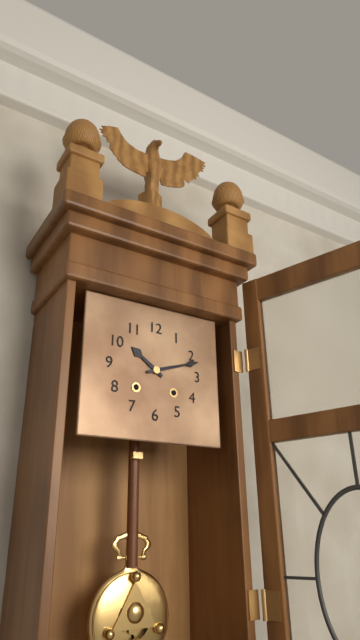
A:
10.12
